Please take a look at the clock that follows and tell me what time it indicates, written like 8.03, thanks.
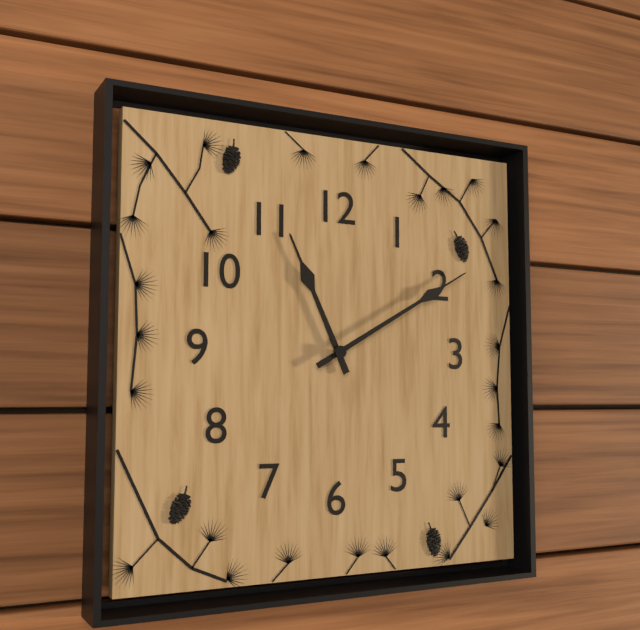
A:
11.10
